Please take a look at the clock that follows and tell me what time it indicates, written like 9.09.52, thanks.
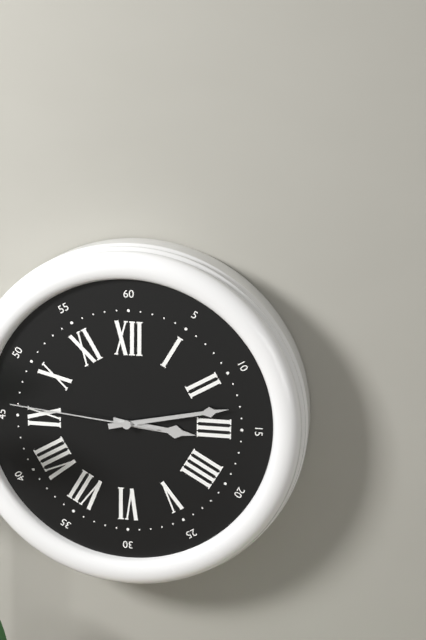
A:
3.13.46
